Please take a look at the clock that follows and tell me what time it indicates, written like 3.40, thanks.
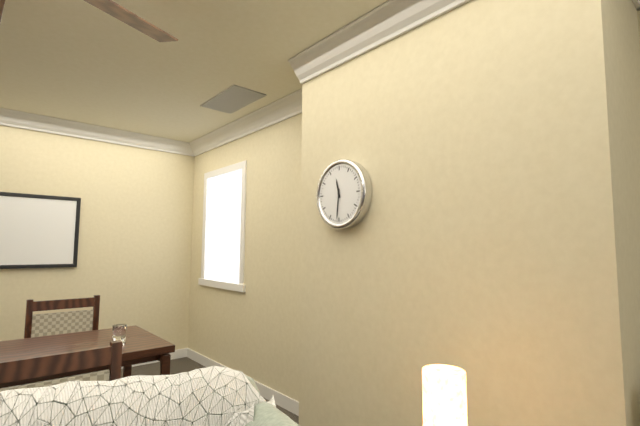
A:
11.31
